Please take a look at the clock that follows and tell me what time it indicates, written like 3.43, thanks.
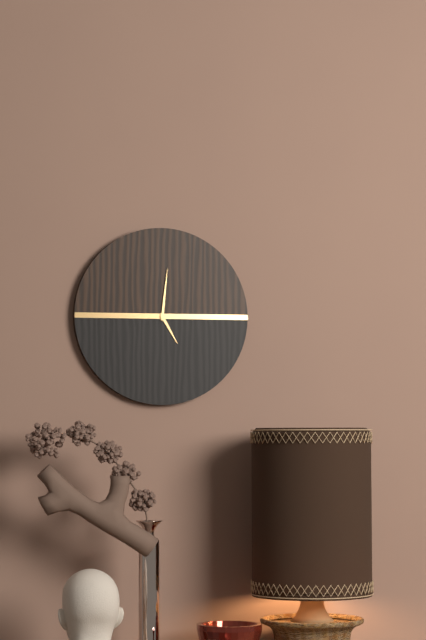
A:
5.01
